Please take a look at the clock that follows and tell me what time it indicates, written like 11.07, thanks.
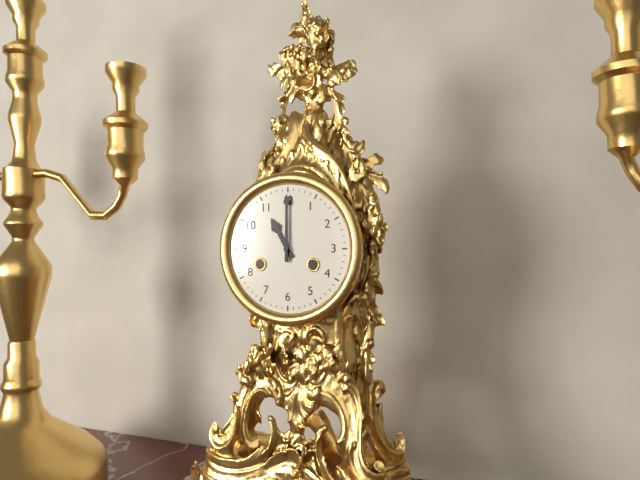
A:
11.00
